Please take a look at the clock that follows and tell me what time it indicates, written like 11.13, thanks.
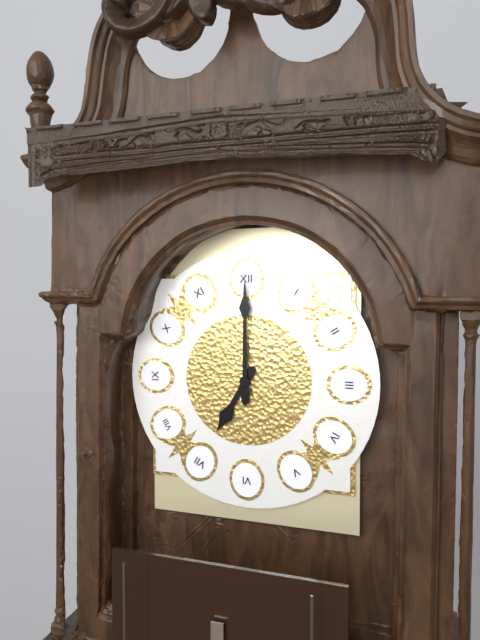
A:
7.00
